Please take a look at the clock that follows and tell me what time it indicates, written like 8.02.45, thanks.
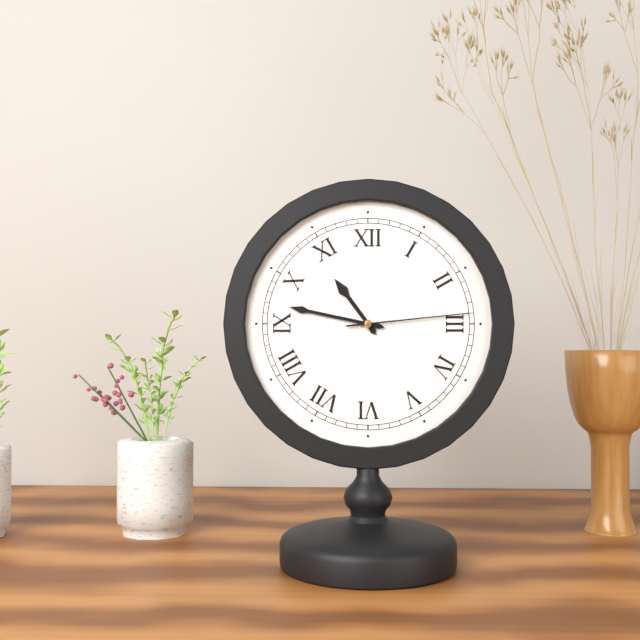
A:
10.47.14
